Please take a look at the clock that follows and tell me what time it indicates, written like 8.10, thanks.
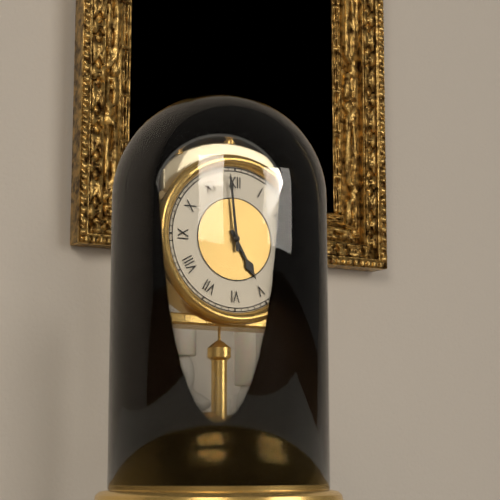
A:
4.59
